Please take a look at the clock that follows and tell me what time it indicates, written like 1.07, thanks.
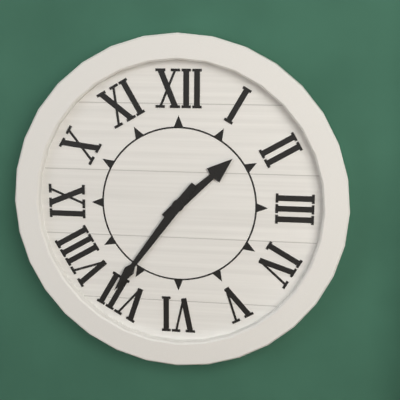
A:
1.36
